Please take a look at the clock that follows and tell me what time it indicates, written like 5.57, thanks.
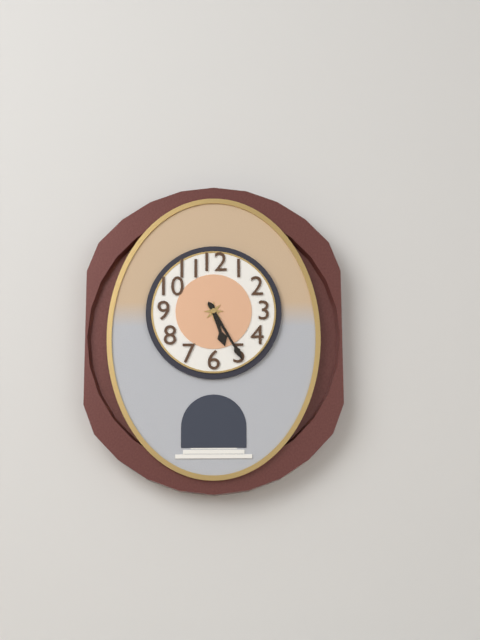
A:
5.25
